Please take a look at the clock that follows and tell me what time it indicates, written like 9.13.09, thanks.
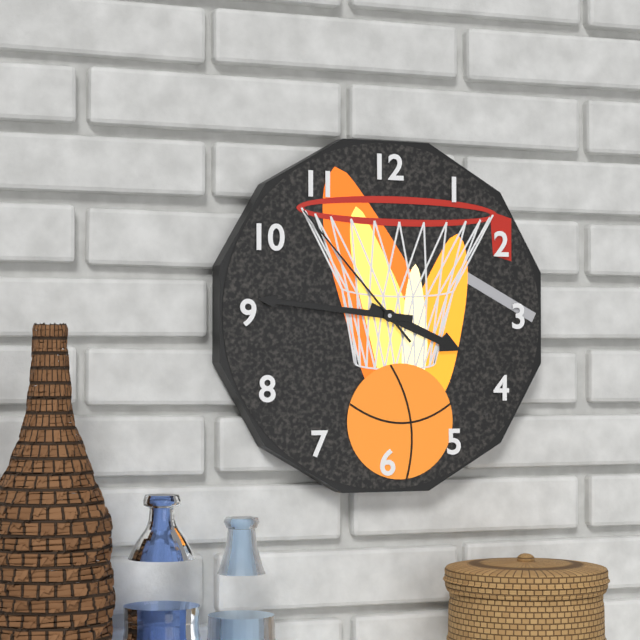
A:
3.46.53
